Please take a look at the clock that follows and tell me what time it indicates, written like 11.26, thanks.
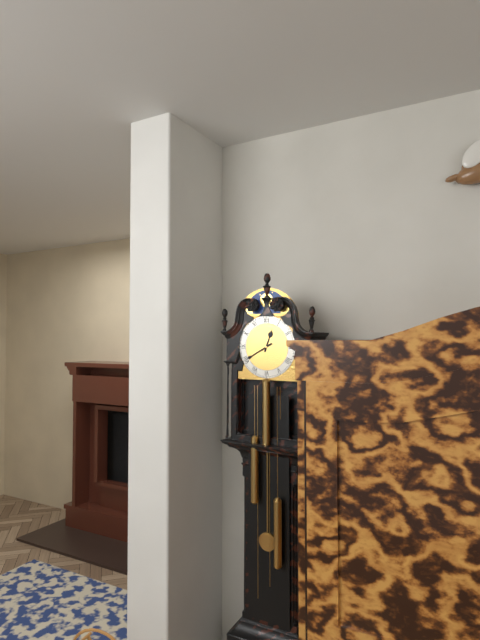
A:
12.40
